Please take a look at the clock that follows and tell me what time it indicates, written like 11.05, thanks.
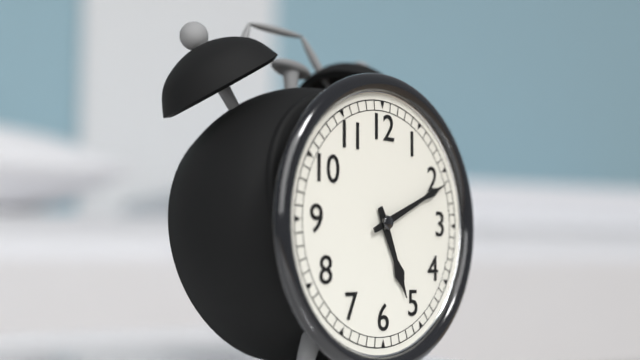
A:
5.11
